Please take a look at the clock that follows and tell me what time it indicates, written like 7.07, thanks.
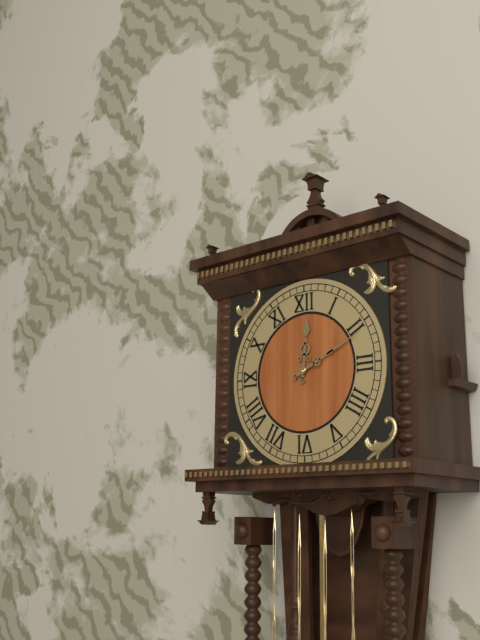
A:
12.11
